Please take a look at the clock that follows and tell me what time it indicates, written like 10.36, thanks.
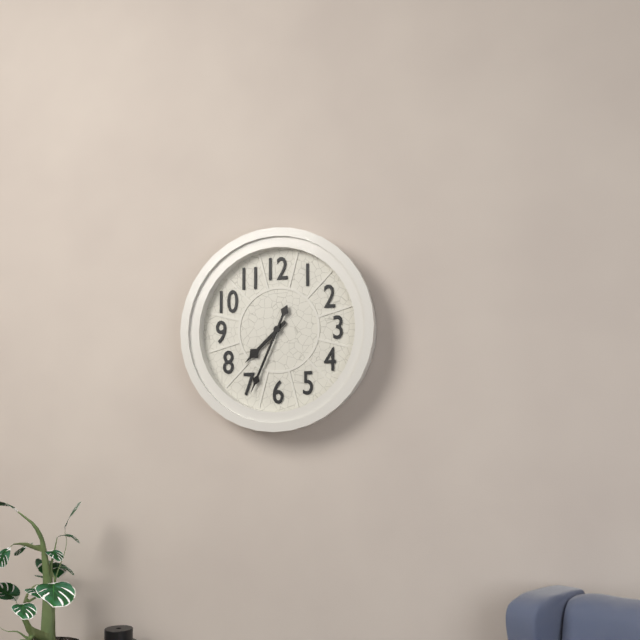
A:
7.34
